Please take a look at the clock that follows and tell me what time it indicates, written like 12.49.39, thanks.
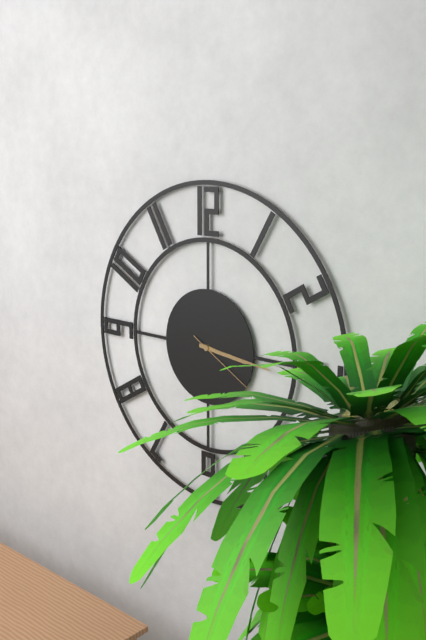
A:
3.16.20
